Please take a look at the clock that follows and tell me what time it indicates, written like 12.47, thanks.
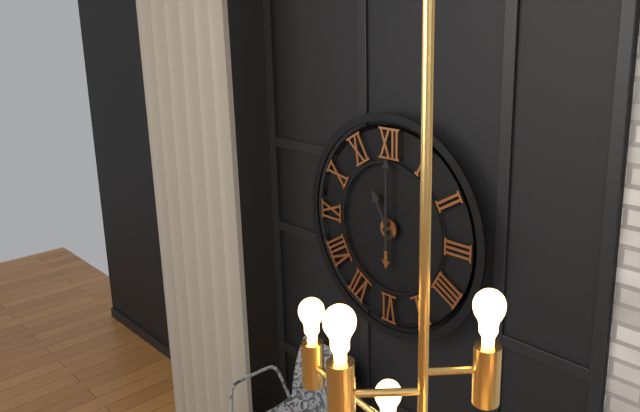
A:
11.00
